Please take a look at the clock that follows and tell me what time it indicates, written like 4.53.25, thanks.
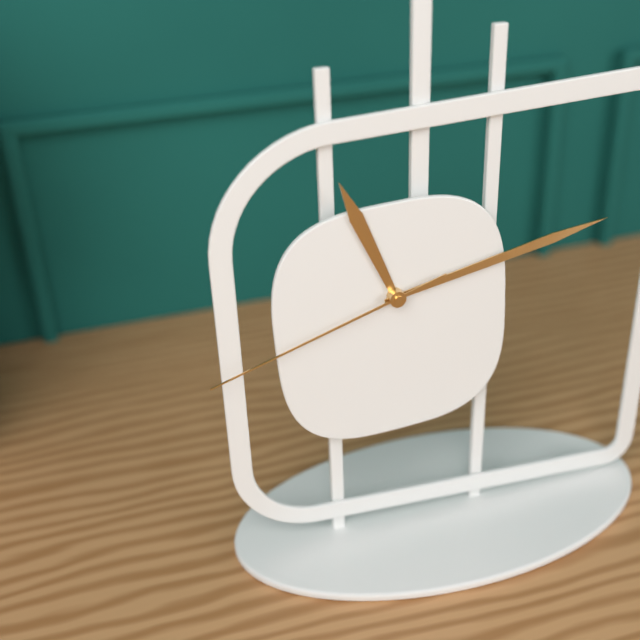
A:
11.13.42
